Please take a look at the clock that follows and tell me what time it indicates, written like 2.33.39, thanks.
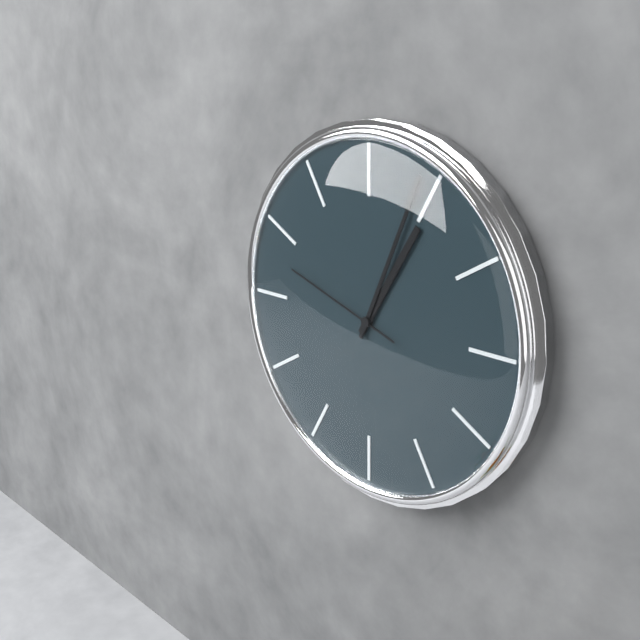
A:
1.04.48
